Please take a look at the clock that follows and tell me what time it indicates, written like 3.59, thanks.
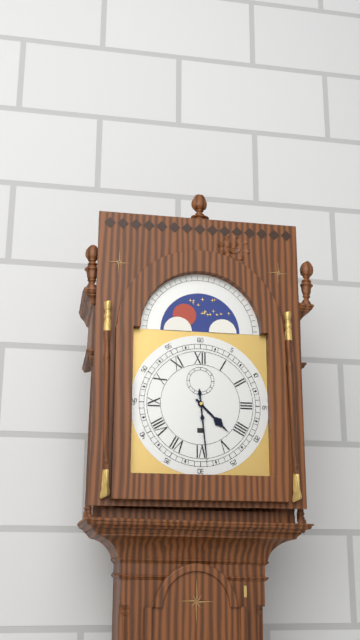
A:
4.29
